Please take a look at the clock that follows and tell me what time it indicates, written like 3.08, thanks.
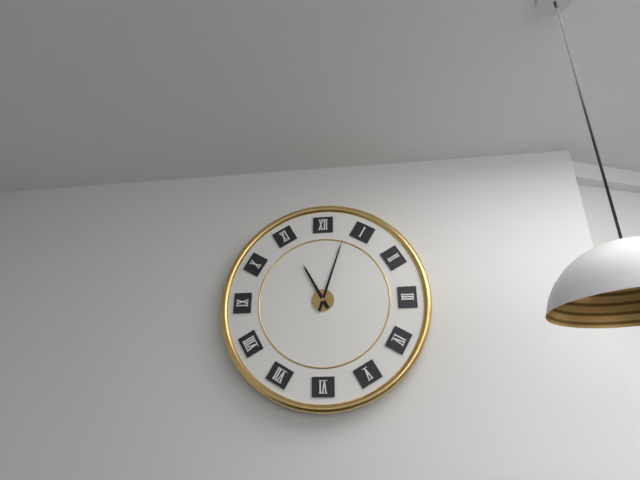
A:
11.03
